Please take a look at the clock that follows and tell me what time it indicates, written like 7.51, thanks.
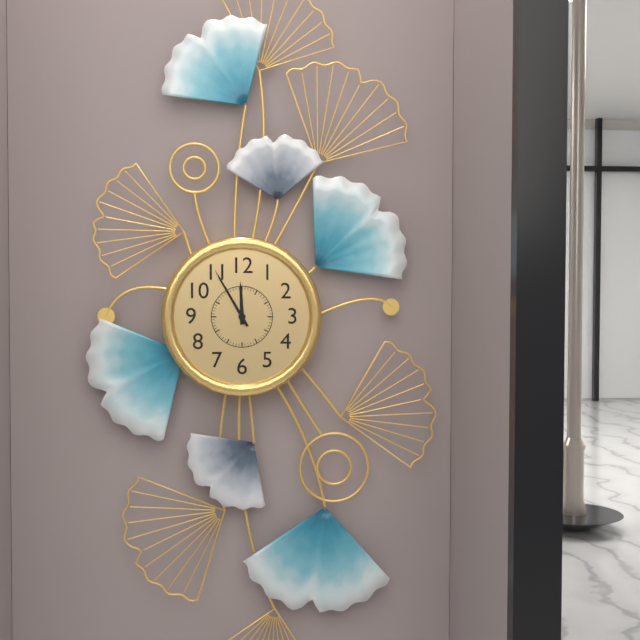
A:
11.55
